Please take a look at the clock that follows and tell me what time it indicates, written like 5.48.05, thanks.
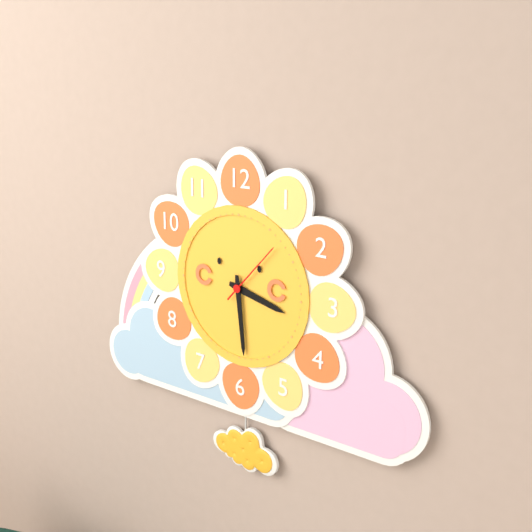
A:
3.29.07
